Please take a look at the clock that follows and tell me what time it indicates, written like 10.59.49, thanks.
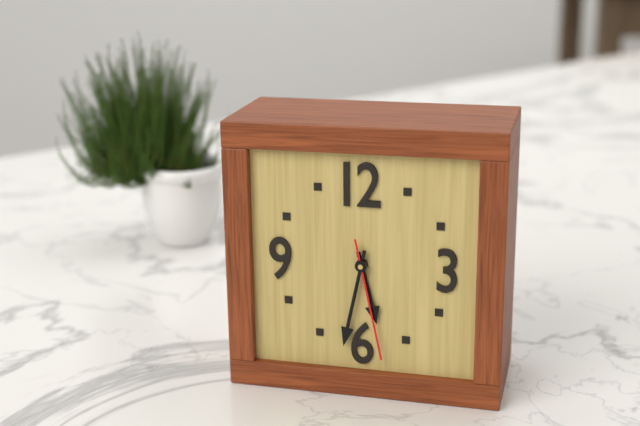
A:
5.32.28
